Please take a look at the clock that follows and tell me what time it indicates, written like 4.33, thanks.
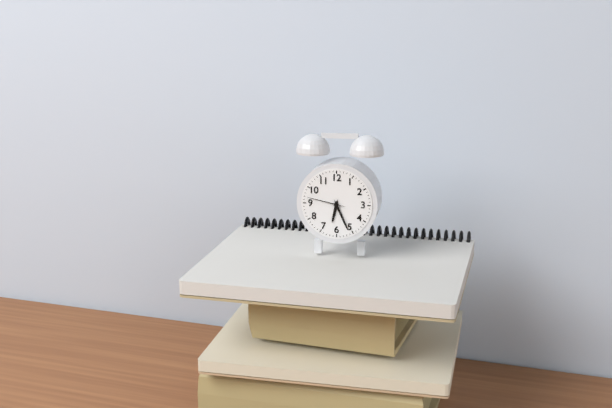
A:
6.26
